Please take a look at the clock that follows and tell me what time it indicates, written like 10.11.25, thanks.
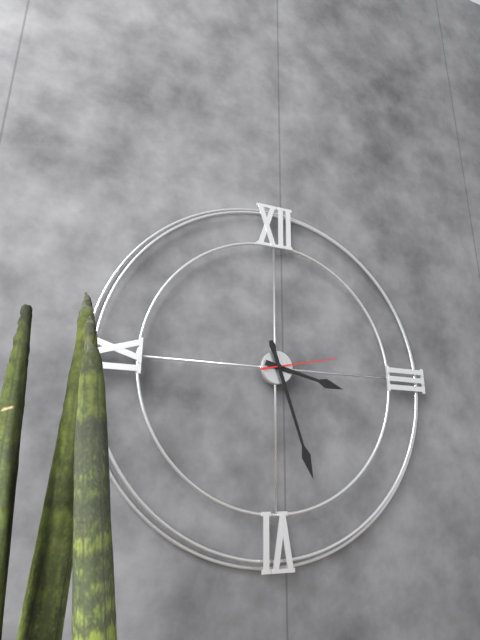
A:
3.27.13
